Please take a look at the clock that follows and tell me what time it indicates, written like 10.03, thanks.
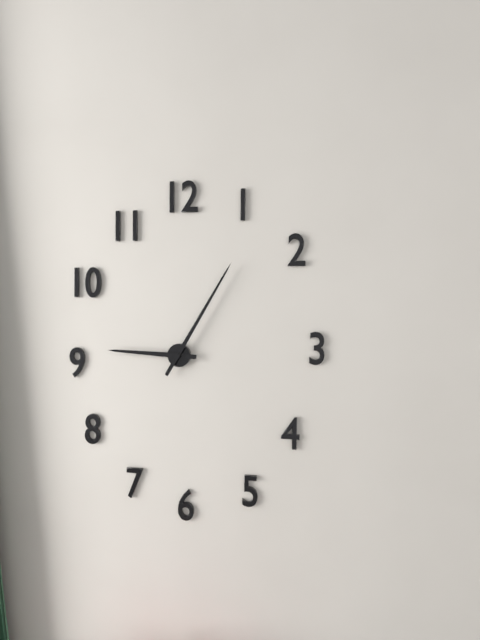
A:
9.05
